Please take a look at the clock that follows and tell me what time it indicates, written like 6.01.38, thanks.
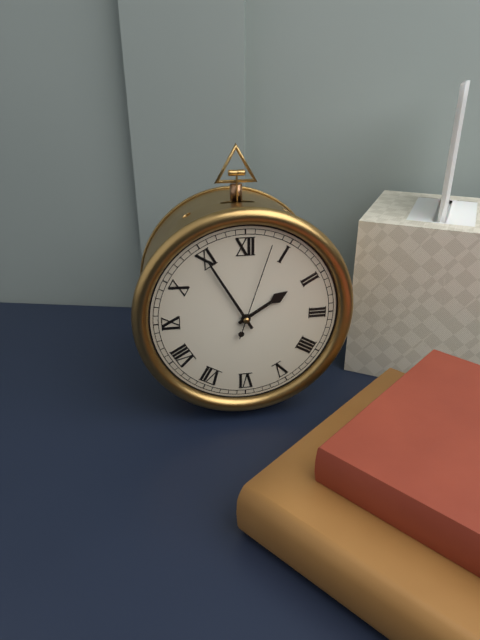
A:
1.55.03
